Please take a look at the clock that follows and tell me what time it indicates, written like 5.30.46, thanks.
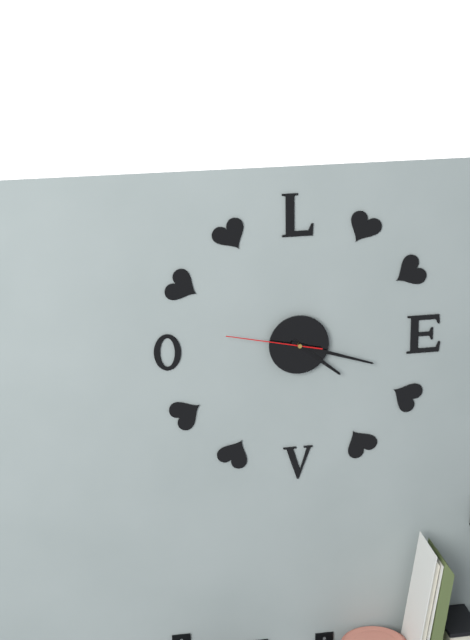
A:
4.18.47
